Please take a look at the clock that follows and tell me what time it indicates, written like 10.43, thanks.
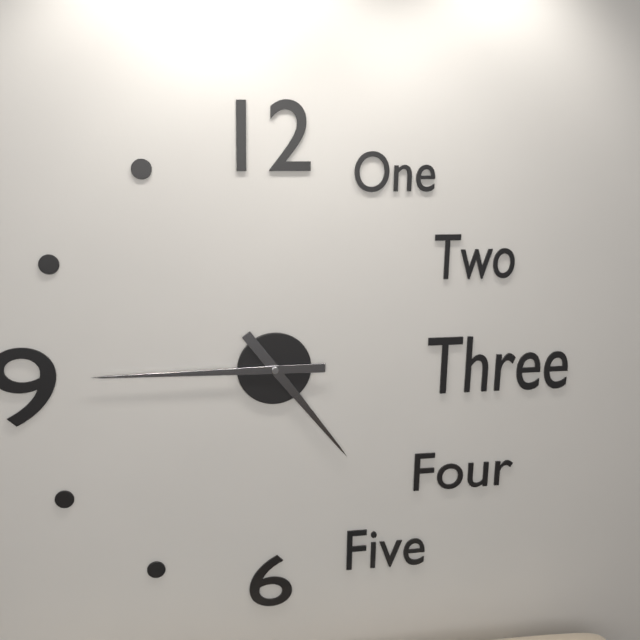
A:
4.45
